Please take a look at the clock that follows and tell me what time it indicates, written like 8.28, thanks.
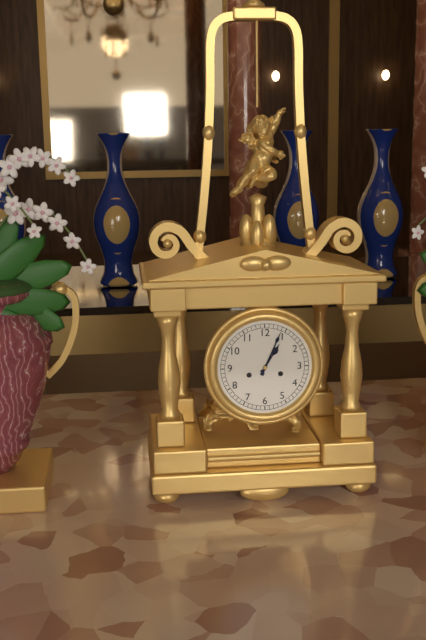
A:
1.04
